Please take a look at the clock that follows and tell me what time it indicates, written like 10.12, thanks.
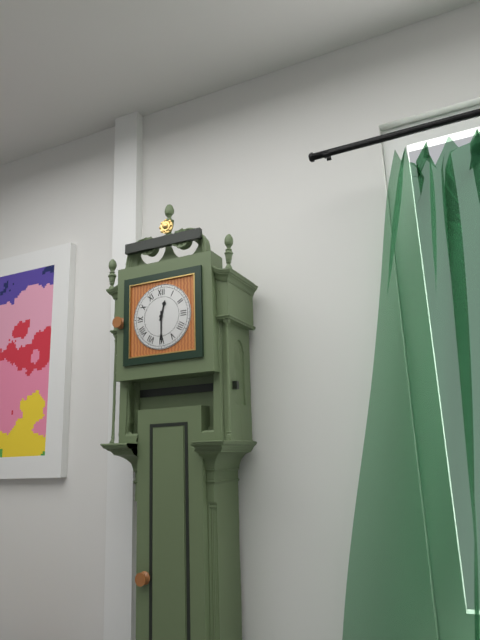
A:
12.30
